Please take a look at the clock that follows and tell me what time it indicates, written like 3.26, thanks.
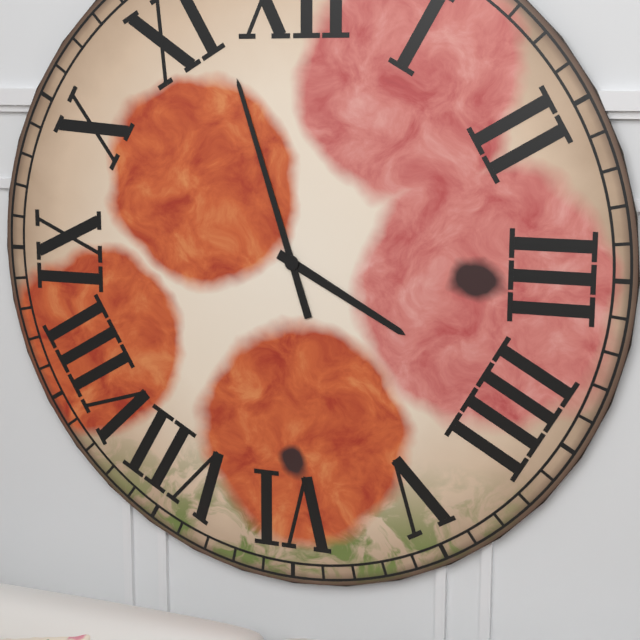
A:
3.57
